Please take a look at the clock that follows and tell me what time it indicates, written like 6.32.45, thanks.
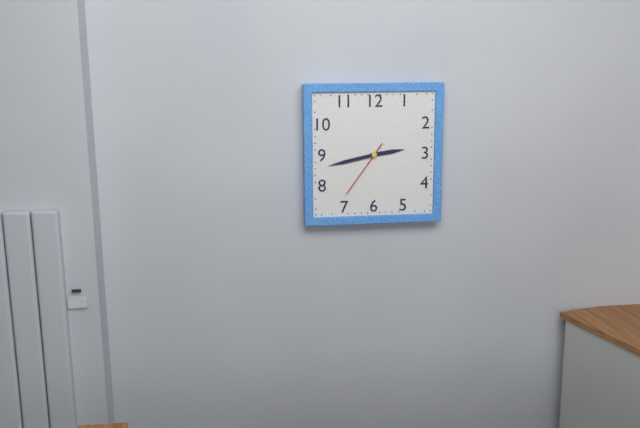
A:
2.43.36
